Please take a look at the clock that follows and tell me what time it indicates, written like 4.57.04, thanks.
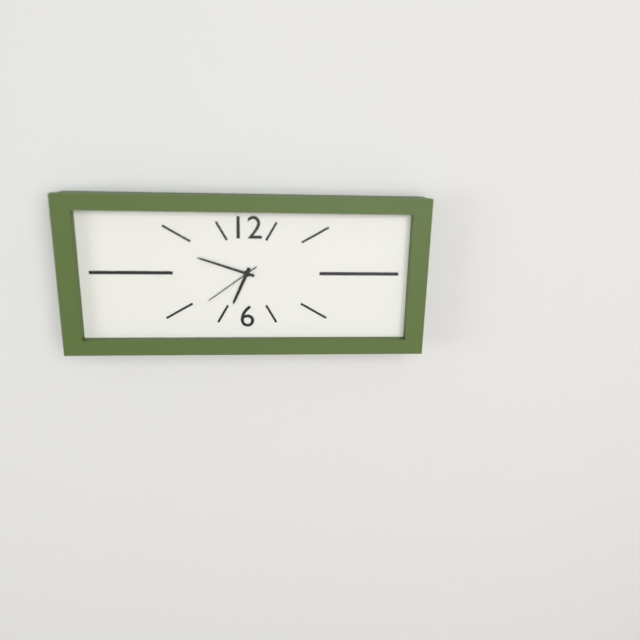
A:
6.48.39
